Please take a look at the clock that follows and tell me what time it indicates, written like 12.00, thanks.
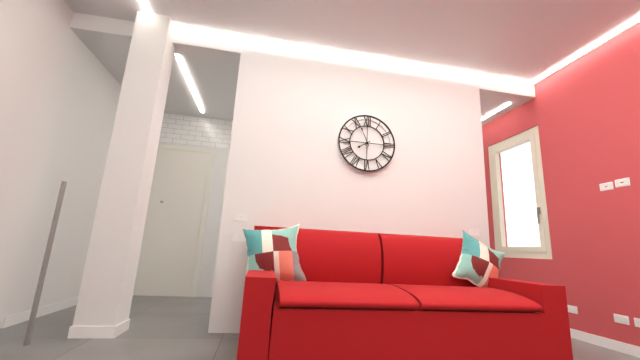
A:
7.56
